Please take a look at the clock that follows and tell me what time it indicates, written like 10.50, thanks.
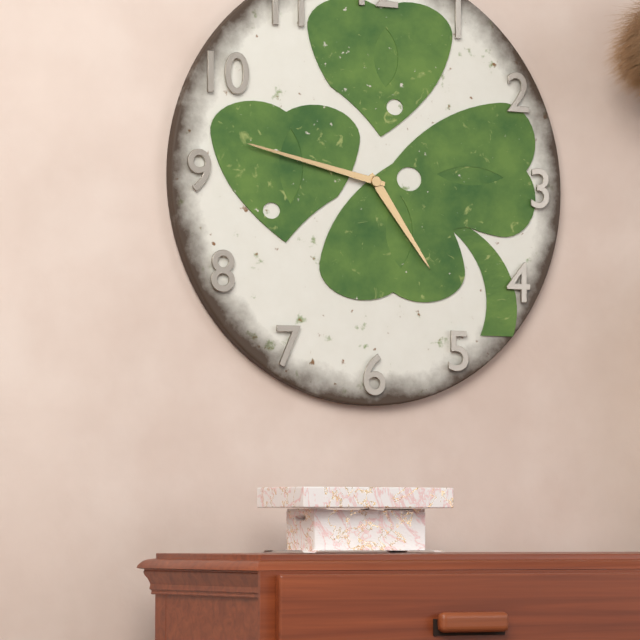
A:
4.47
